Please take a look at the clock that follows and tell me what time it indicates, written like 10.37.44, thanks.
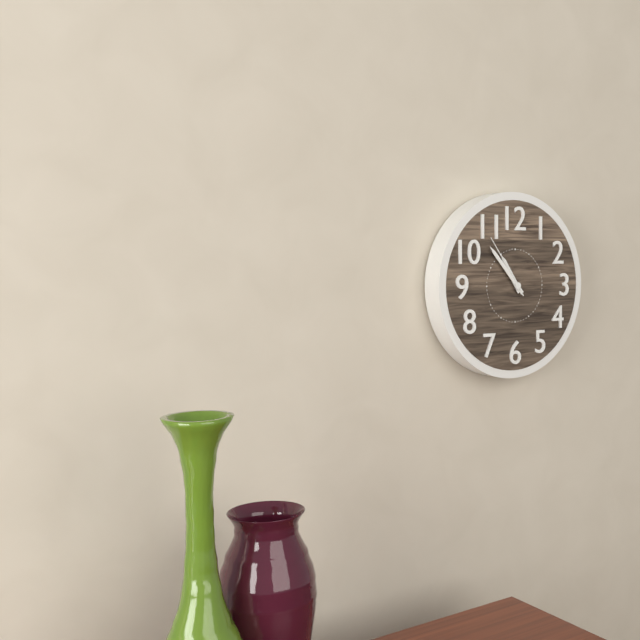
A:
10.53.54
